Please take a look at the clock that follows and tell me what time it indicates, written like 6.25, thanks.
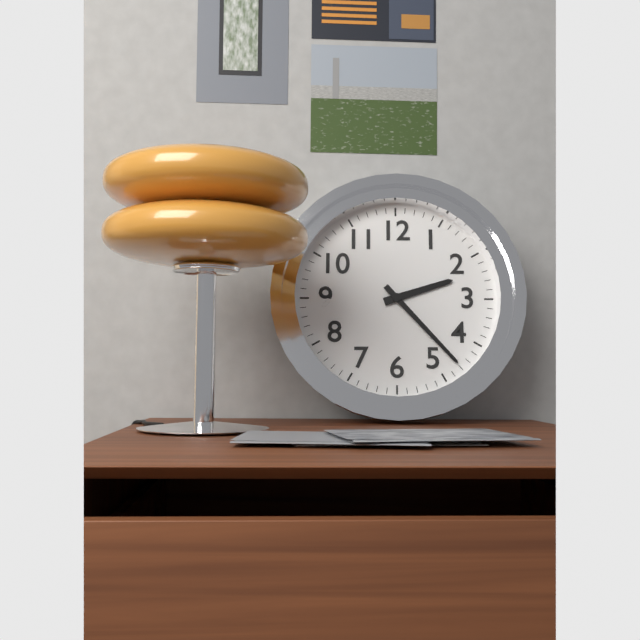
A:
2.23
